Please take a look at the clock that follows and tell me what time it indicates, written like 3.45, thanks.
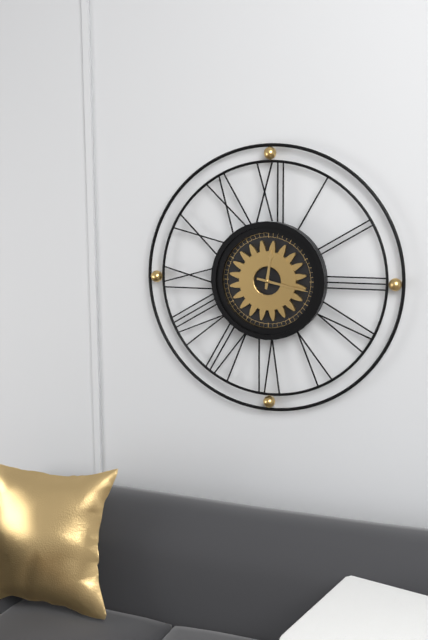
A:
12.17
